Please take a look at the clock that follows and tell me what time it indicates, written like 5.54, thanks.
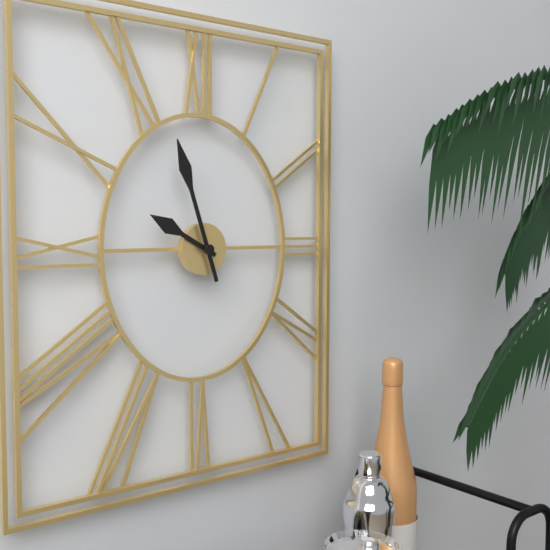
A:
9.57
